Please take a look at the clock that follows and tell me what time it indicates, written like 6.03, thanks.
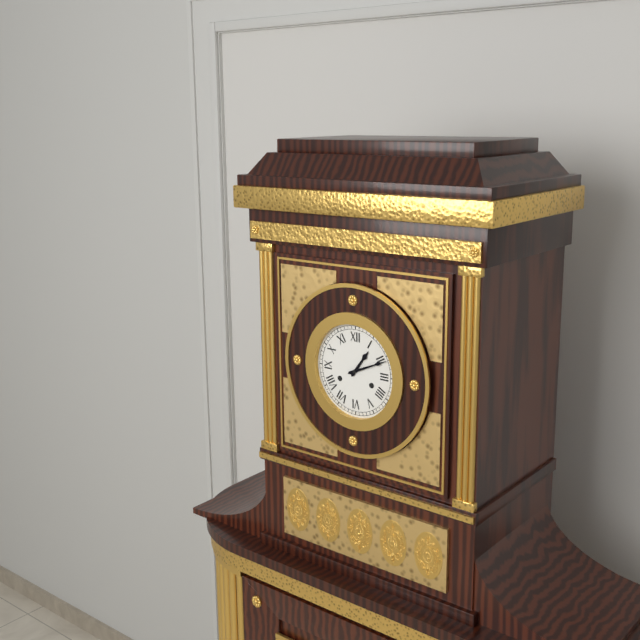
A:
1.11
